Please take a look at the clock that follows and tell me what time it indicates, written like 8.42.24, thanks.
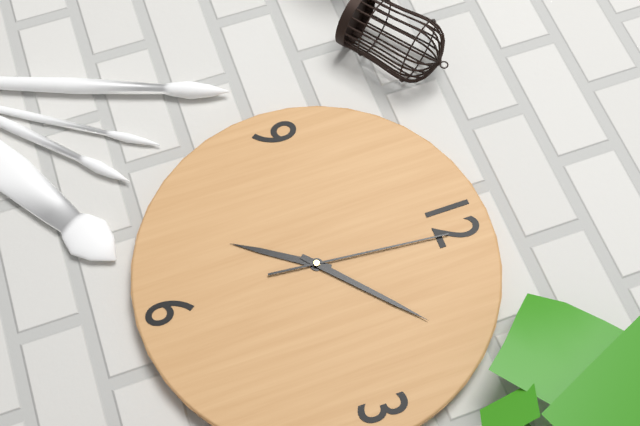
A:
7.08.01
